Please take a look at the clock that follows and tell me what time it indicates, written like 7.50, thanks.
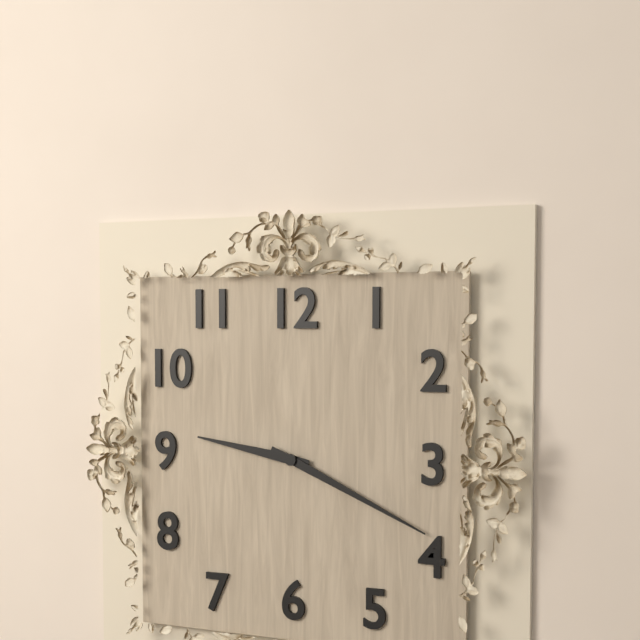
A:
9.19
